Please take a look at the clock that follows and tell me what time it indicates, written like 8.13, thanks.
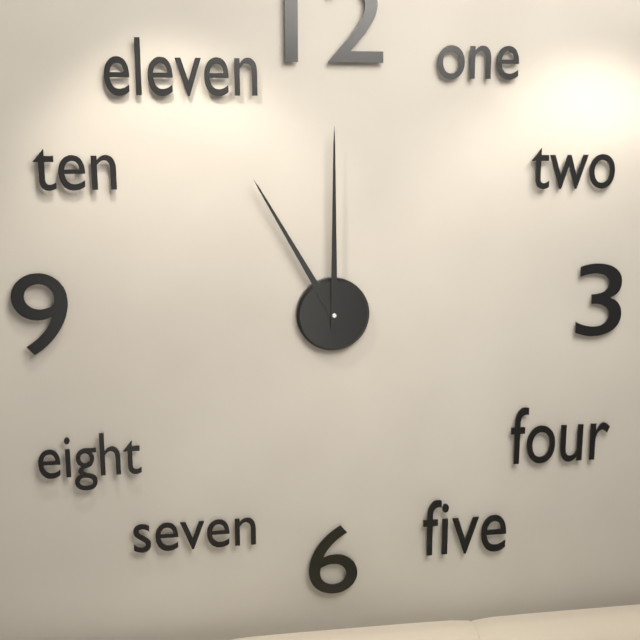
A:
11.00
